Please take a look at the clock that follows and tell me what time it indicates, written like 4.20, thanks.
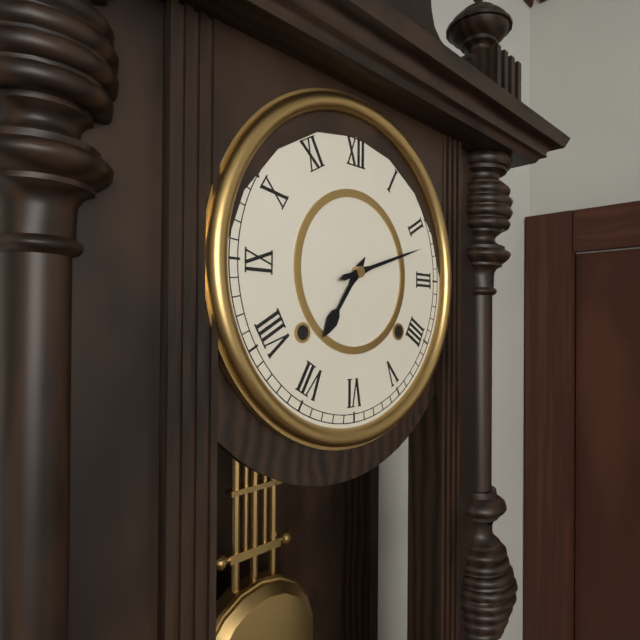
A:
7.12
